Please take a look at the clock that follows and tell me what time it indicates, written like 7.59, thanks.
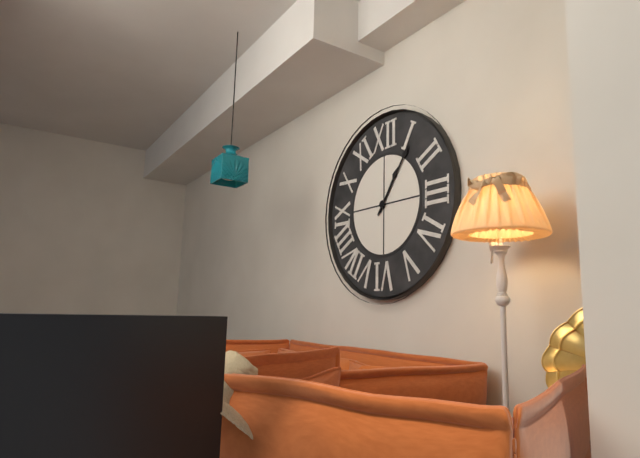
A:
1.06
